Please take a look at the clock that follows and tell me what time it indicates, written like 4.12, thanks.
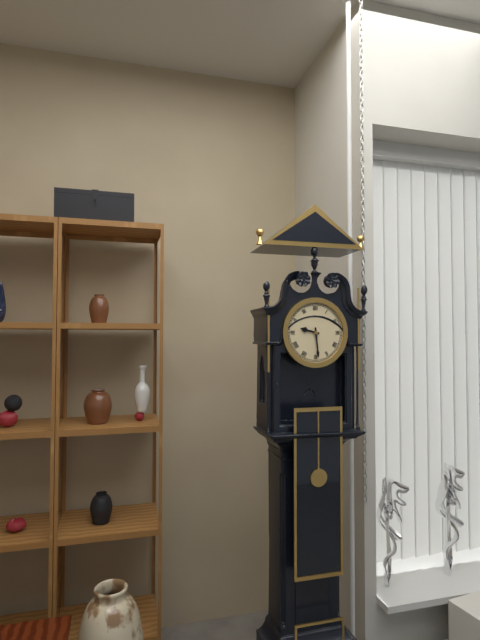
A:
9.29
